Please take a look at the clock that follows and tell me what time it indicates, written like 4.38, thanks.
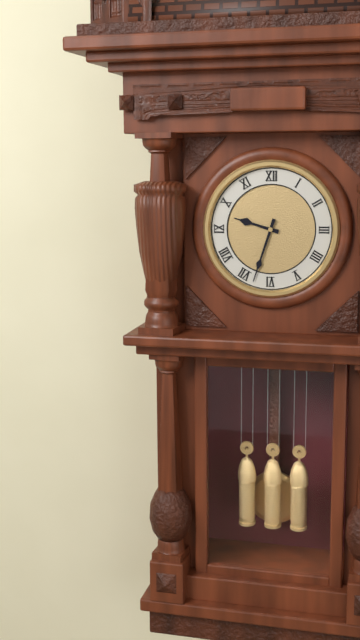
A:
9.33
